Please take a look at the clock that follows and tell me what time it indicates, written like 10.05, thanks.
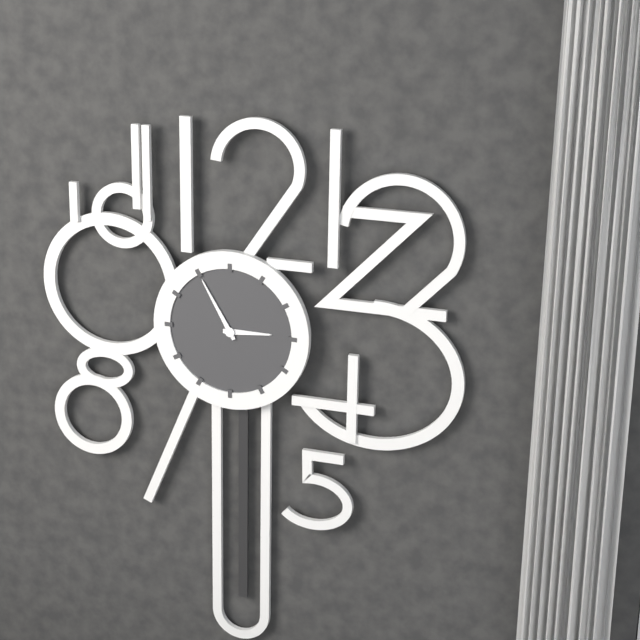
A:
2.55
